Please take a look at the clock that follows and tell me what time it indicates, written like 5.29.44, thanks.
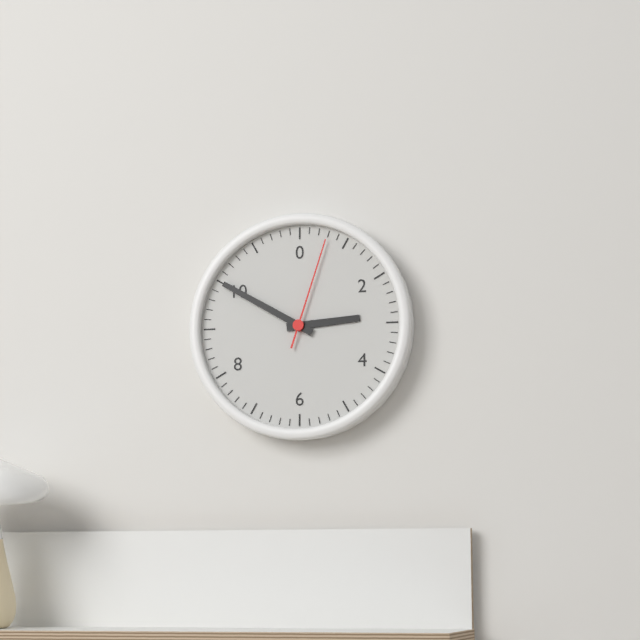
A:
2.50.03
